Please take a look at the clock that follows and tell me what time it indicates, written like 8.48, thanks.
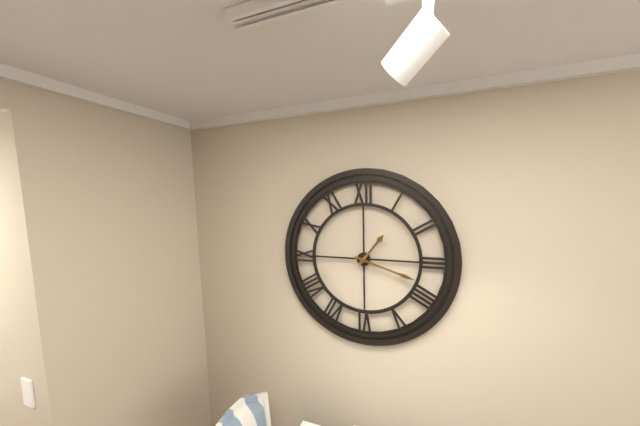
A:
1.18
